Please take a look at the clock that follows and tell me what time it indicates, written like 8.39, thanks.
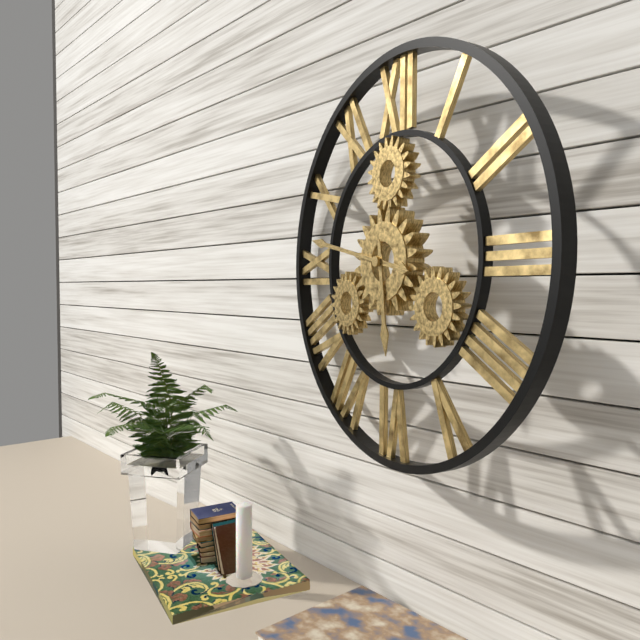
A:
5.47
